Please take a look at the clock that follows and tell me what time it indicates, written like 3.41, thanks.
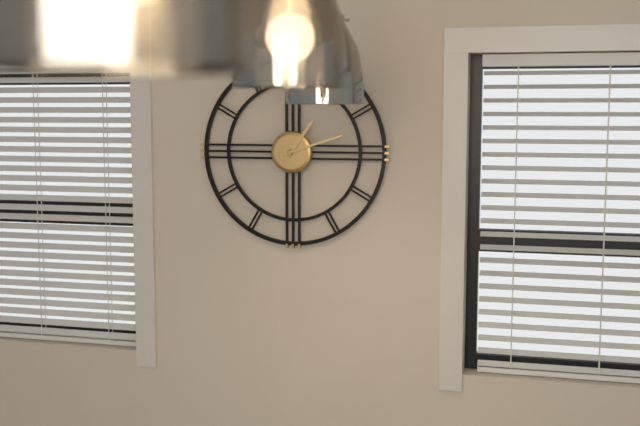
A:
1.12
